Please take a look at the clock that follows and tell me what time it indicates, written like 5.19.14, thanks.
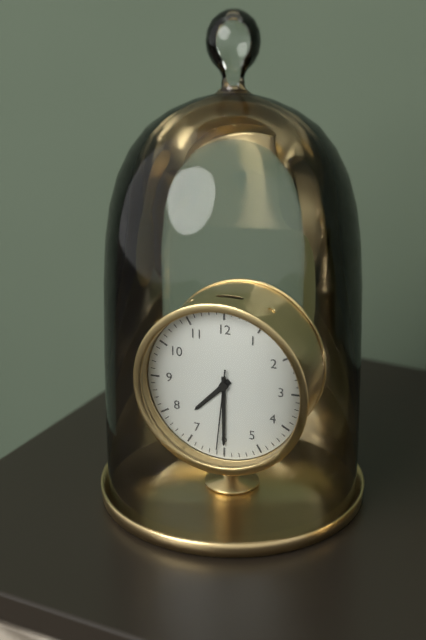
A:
7.30.31
